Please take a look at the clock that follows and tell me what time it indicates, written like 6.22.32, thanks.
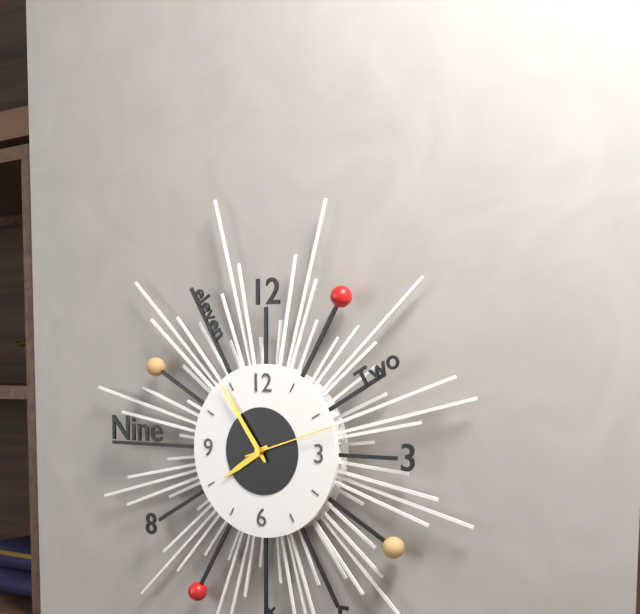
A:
7.54.12
